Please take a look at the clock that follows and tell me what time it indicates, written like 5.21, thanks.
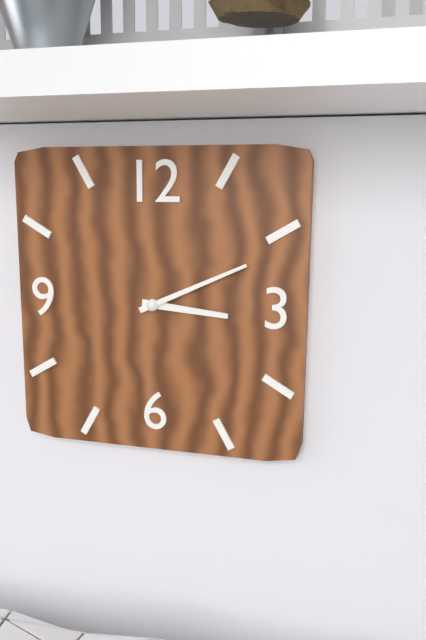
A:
3.11
